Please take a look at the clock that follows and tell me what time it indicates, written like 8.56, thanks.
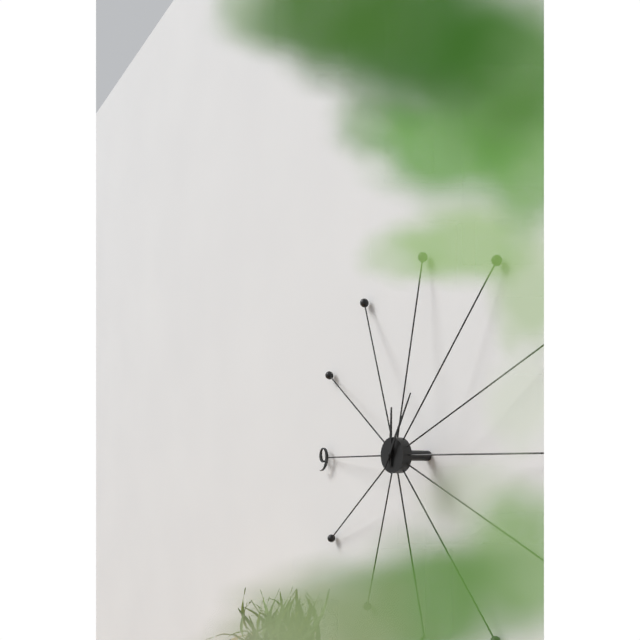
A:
12.05
